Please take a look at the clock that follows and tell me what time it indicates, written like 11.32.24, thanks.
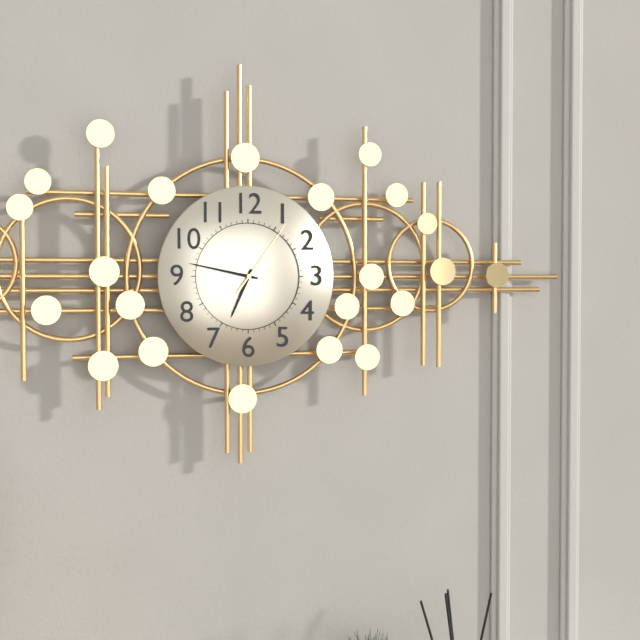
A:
6.47.06
